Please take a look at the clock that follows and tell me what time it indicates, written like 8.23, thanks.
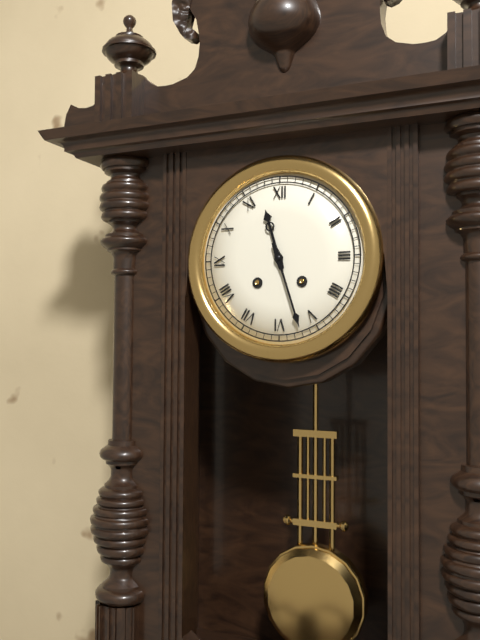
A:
11.27
